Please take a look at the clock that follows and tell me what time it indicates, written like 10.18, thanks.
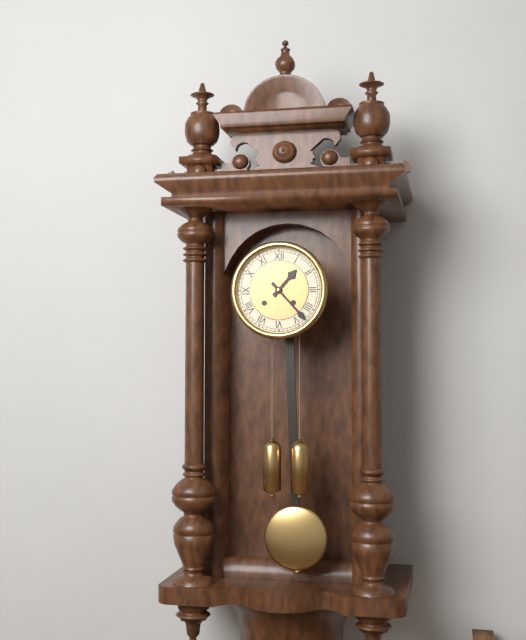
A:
1.23
